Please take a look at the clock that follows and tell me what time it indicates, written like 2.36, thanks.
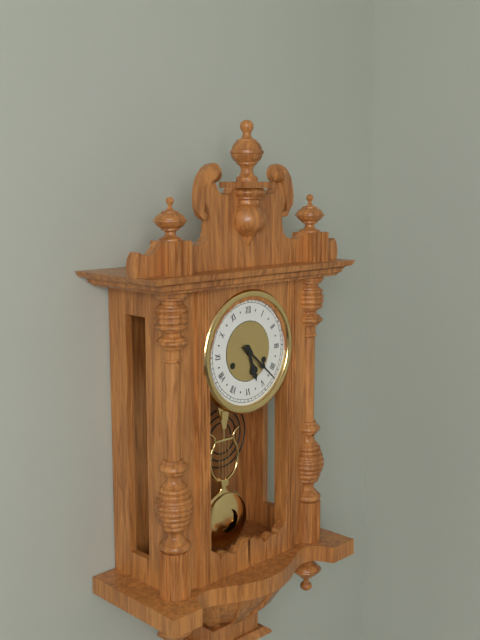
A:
5.22
